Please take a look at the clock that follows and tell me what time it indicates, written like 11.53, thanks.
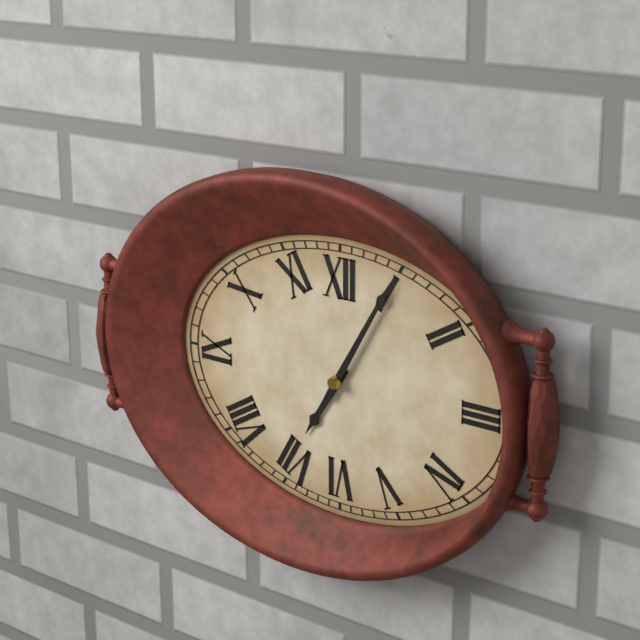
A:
7.05
